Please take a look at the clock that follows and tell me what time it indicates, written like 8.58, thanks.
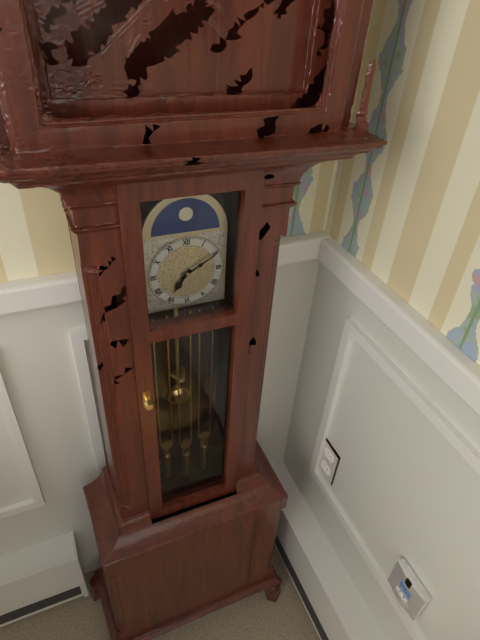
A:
7.10
